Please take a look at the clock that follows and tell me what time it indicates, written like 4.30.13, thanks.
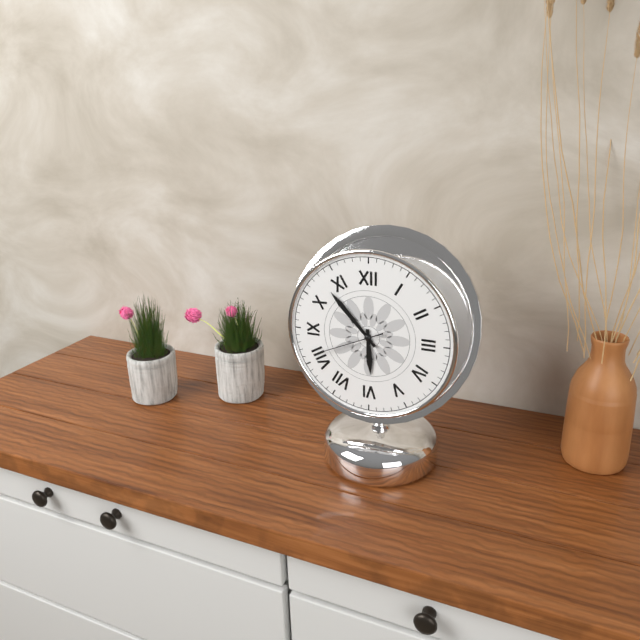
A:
5.53.41
